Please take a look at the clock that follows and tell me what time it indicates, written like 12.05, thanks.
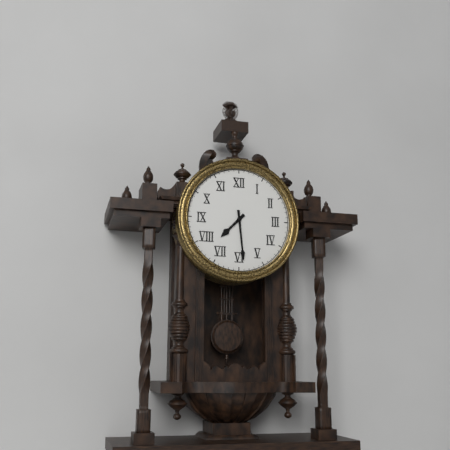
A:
7.29
